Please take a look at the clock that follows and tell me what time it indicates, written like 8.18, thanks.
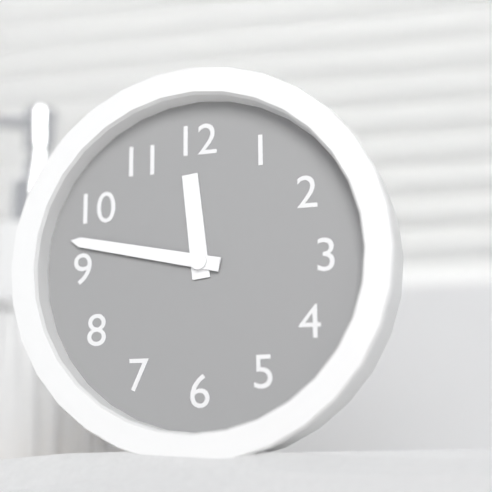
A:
11.47
